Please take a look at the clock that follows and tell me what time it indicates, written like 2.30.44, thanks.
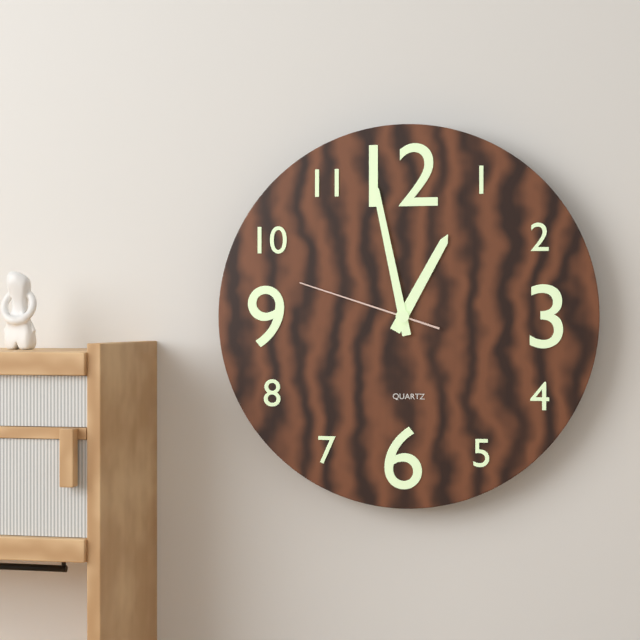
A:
12.58.48
